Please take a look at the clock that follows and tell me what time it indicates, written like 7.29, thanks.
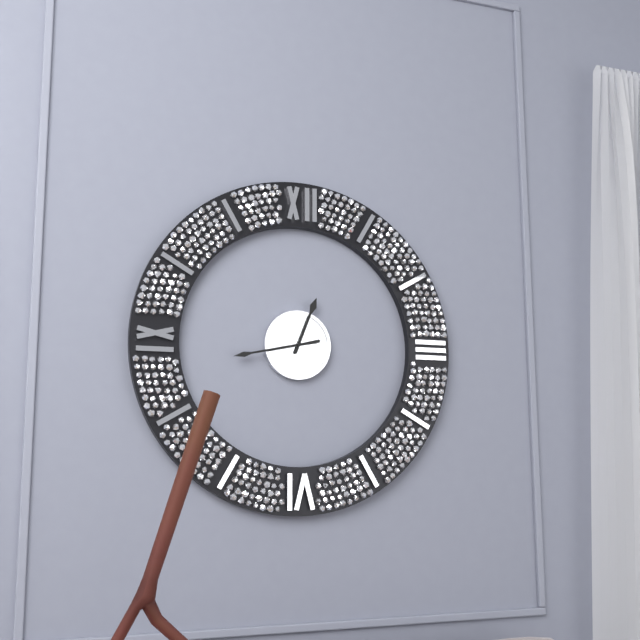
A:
12.43
